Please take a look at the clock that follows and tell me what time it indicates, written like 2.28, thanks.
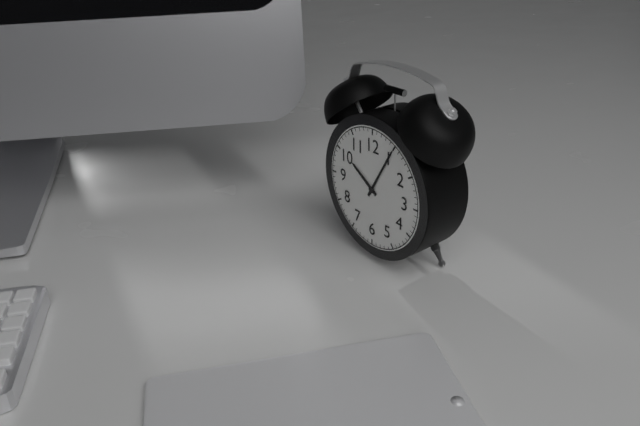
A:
10.05
